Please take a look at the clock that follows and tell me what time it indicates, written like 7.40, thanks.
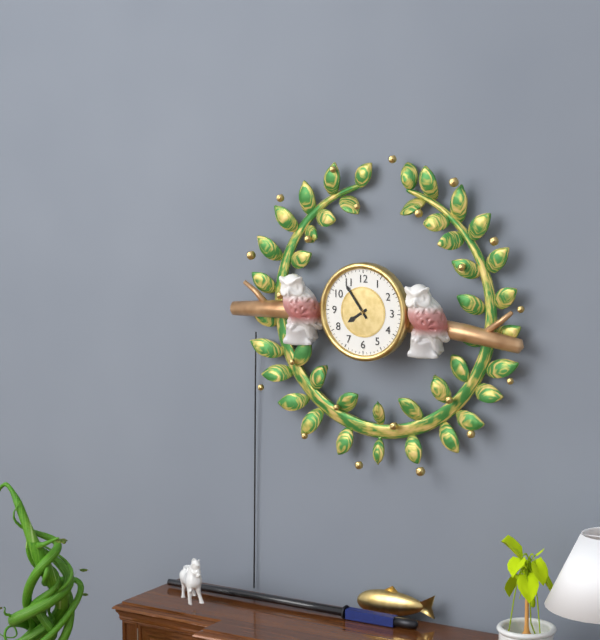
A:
7.54
